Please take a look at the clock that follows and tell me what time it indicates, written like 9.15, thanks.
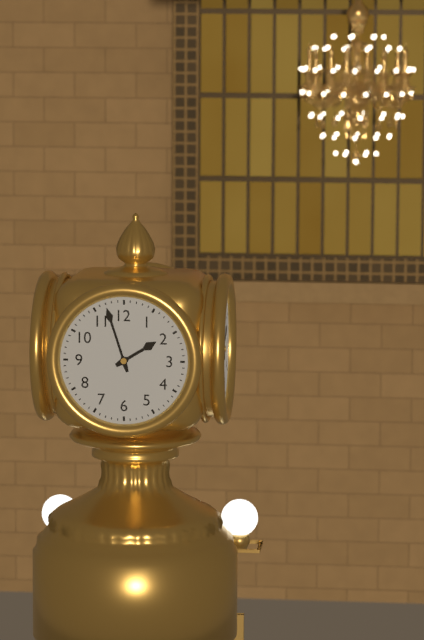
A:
1.57
